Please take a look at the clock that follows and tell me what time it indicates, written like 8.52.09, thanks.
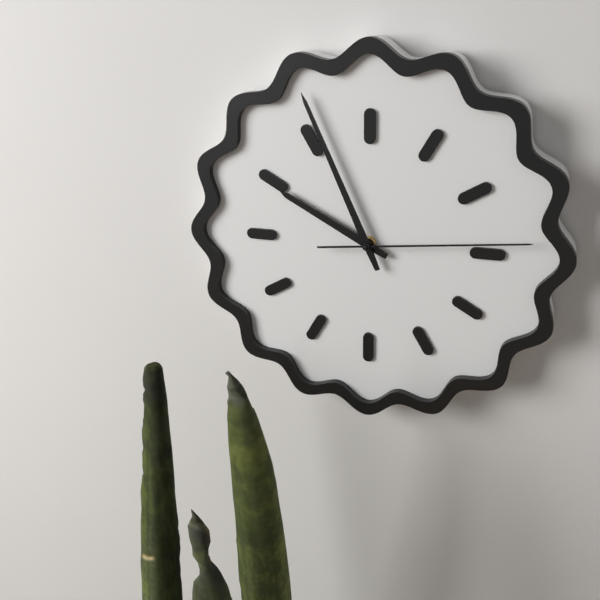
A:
9.56.14
